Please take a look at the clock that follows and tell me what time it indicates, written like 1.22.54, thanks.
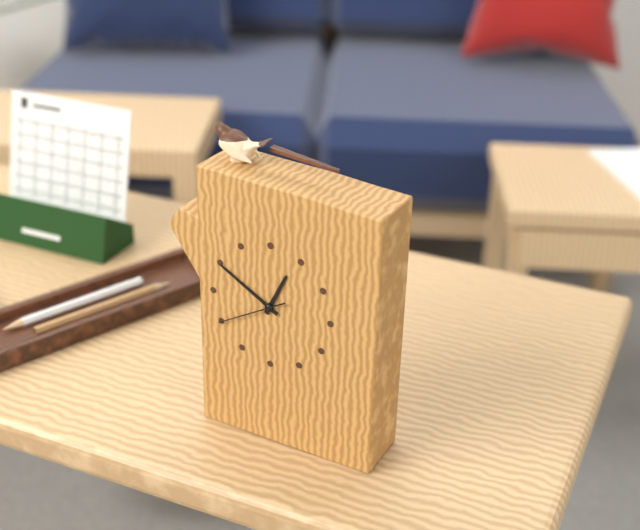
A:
12.50.40
